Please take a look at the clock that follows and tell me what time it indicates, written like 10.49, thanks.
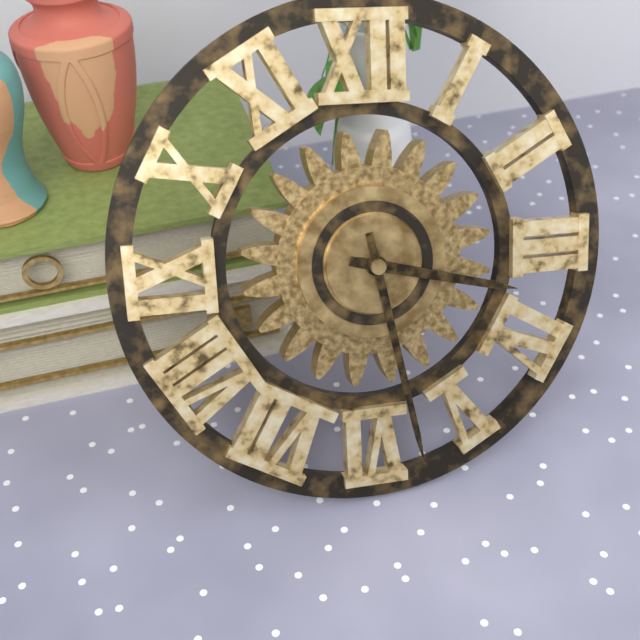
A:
3.28
